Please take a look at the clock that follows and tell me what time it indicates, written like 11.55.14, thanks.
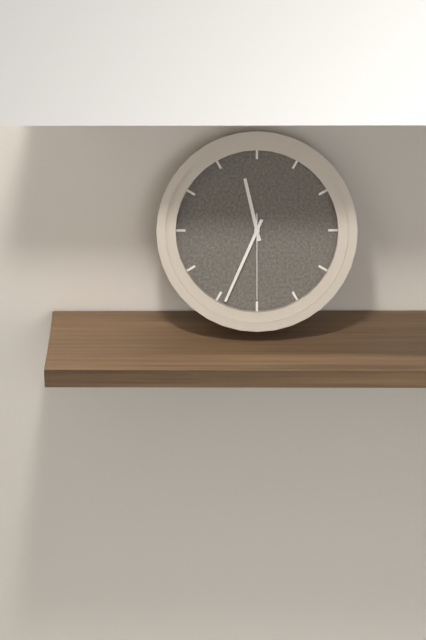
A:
11.34.30
